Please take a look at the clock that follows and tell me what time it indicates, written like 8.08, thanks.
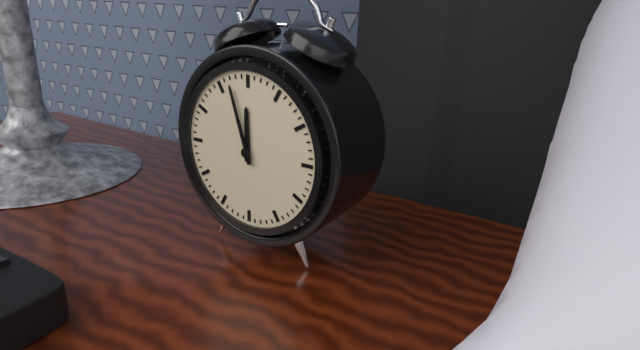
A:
11.57
